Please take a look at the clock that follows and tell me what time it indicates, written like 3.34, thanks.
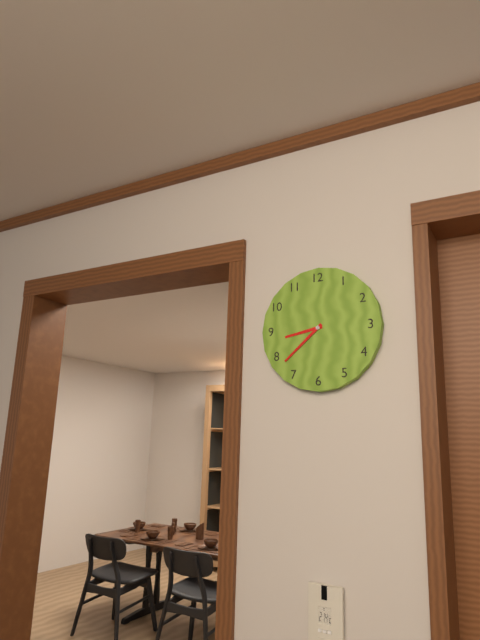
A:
8.38
